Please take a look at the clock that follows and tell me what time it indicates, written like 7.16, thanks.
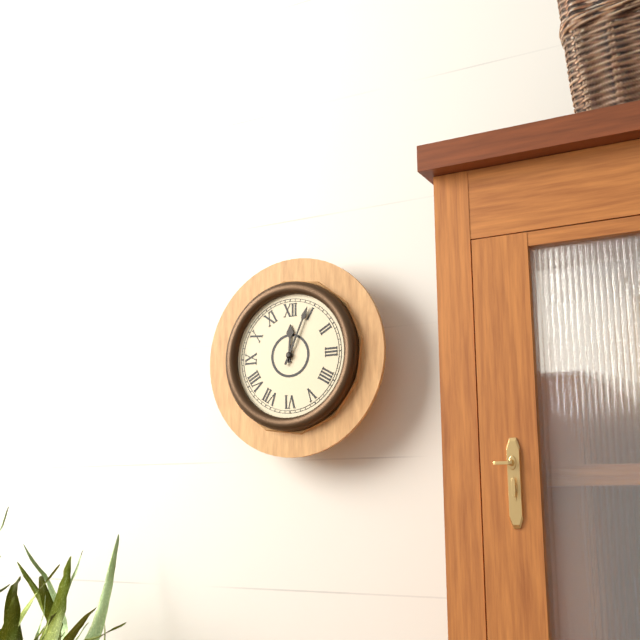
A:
12.04
